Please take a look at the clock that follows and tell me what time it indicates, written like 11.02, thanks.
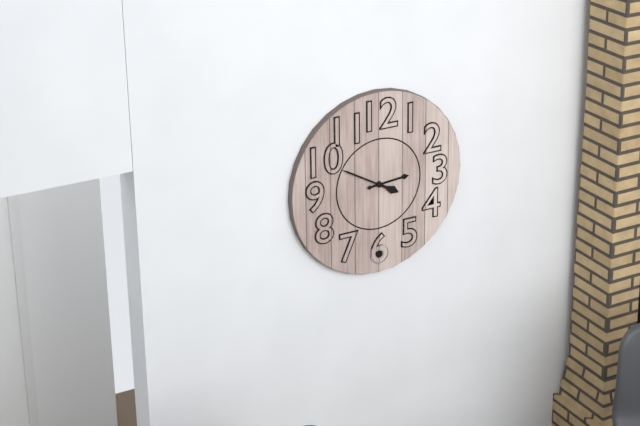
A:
2.50
